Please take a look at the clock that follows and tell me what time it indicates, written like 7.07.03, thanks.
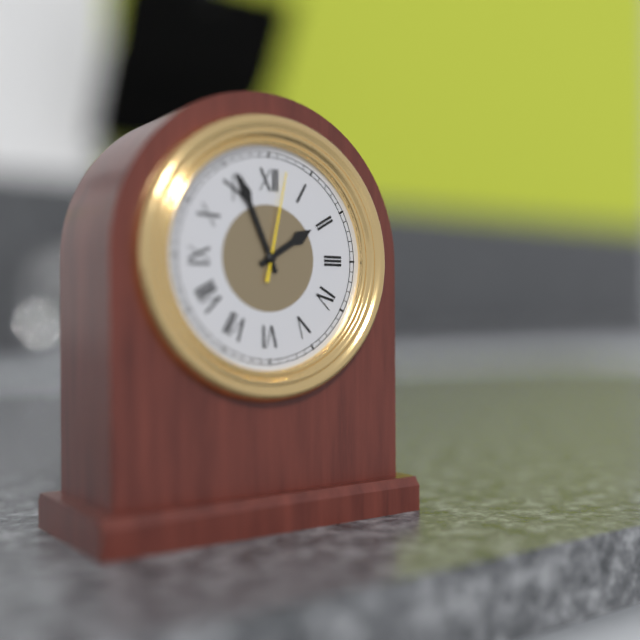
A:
1.56.02
